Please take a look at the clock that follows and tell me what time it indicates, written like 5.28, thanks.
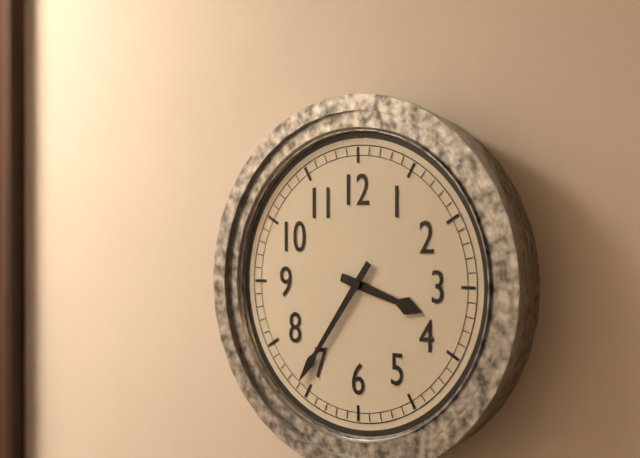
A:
3.36
